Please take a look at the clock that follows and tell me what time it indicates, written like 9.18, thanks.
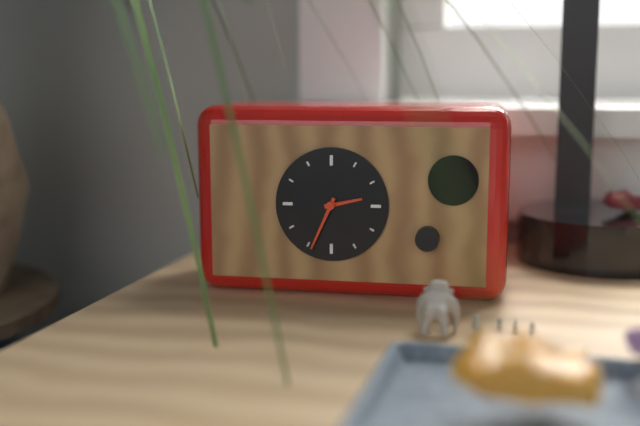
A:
2.34
